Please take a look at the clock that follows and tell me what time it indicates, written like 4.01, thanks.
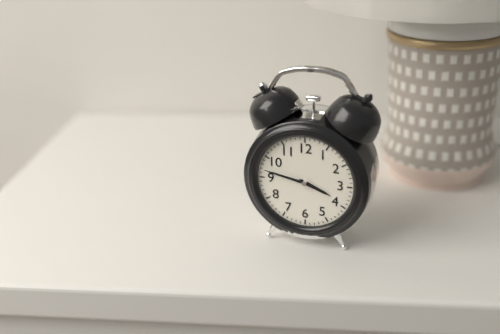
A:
3.47
